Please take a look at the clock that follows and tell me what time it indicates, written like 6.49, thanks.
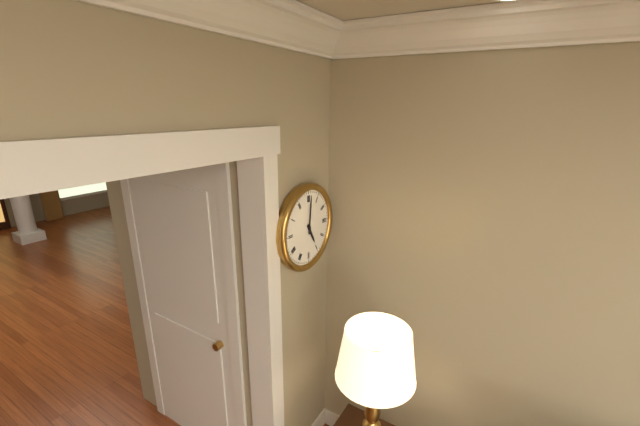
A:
5.01
